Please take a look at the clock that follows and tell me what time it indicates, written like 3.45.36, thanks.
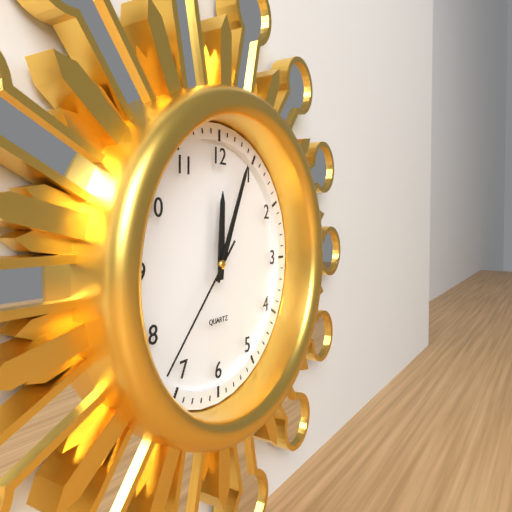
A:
12.04.37
